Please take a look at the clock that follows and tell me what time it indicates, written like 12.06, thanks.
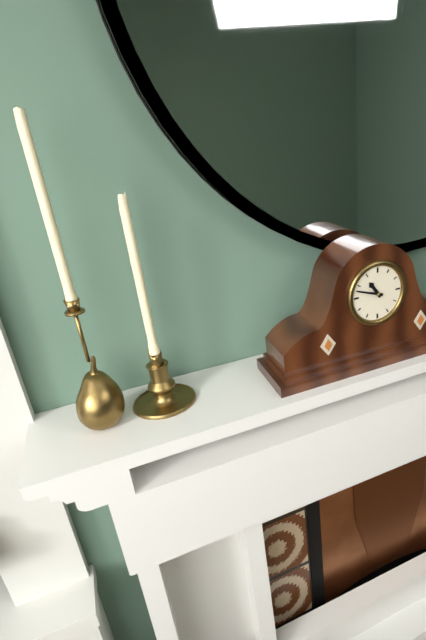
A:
10.48
